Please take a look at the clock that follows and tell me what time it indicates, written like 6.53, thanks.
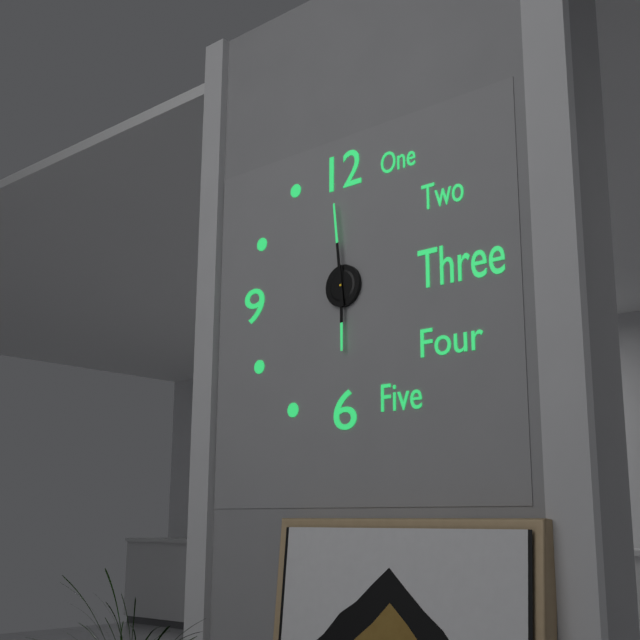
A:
5.59
